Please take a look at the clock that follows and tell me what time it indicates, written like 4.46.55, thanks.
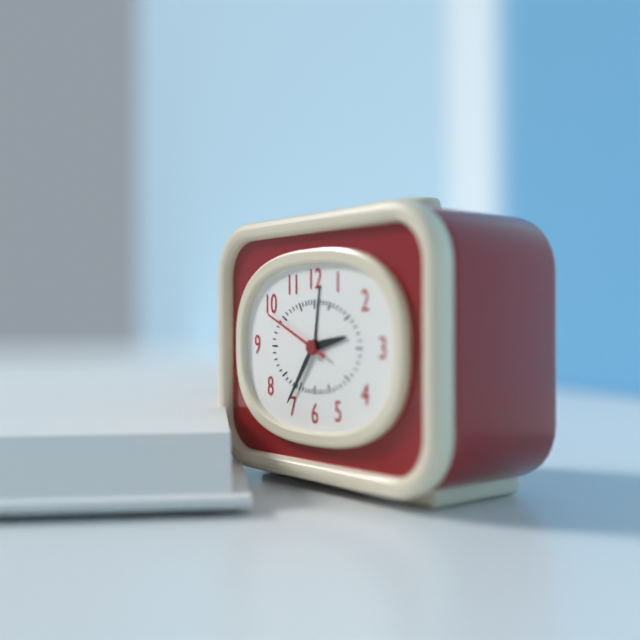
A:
2.36.49
